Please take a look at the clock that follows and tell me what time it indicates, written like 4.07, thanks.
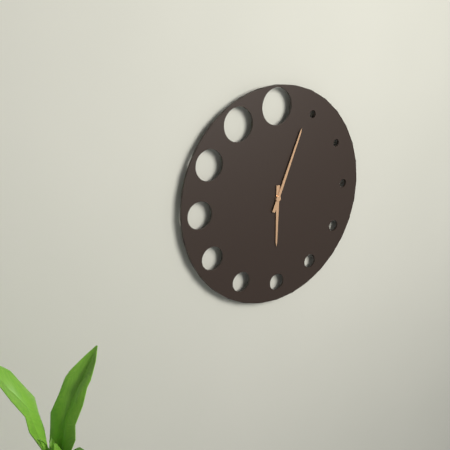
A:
6.04
